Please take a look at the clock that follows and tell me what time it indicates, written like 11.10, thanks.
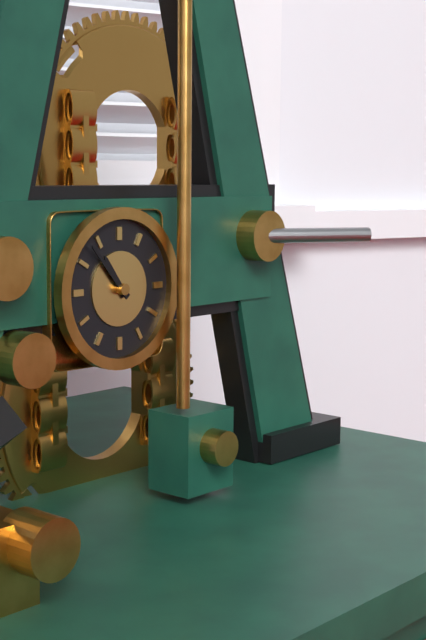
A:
10.53
